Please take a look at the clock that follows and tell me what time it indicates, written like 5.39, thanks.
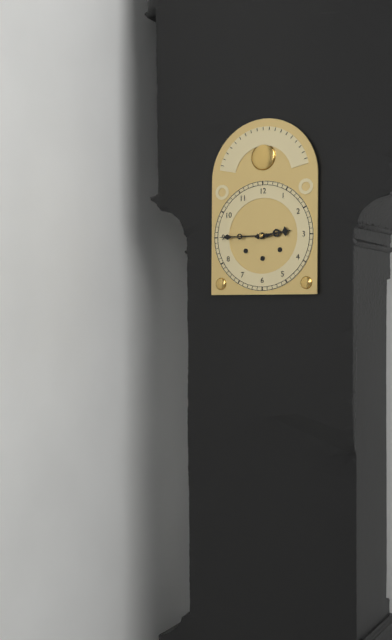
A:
2.45
